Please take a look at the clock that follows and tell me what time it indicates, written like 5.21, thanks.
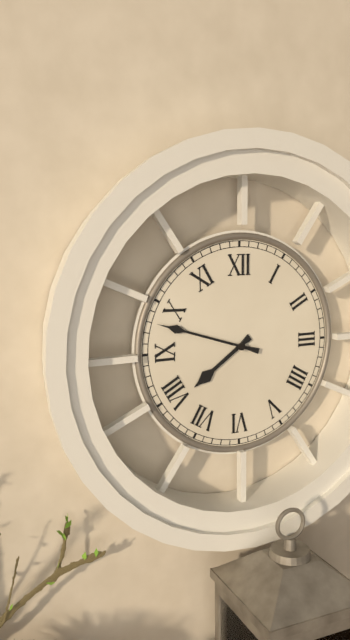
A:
7.48
